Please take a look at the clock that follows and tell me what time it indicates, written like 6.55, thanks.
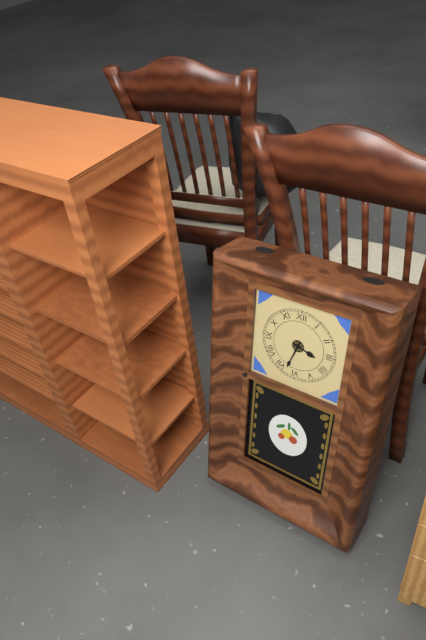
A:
3.33
